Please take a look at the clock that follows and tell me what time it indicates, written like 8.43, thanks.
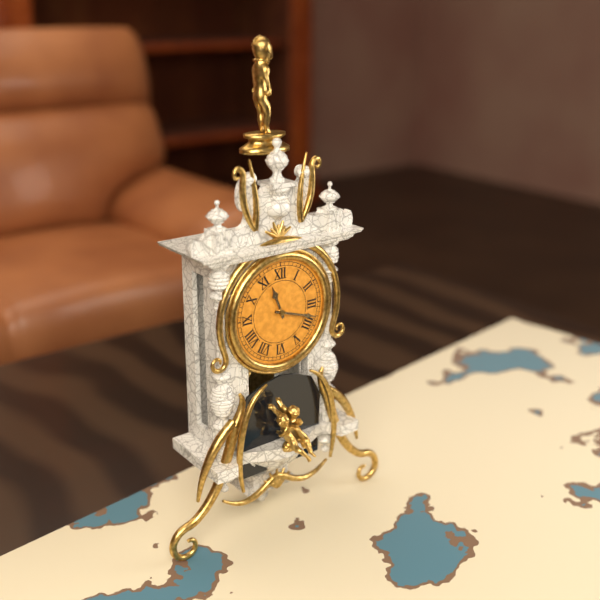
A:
11.18
